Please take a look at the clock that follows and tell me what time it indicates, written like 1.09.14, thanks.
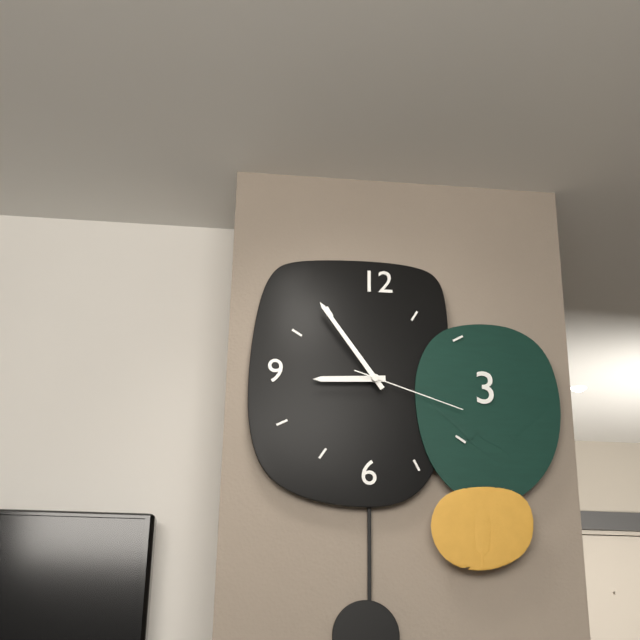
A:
8.54.18
